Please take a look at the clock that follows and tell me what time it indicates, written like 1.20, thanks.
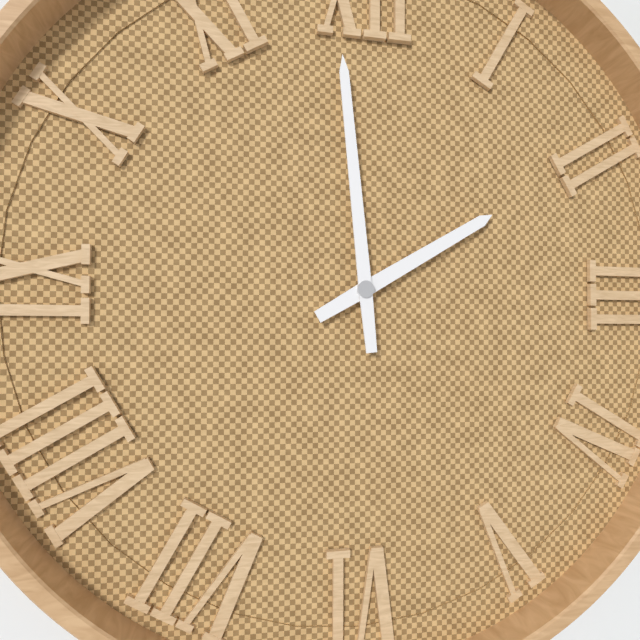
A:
1.59
